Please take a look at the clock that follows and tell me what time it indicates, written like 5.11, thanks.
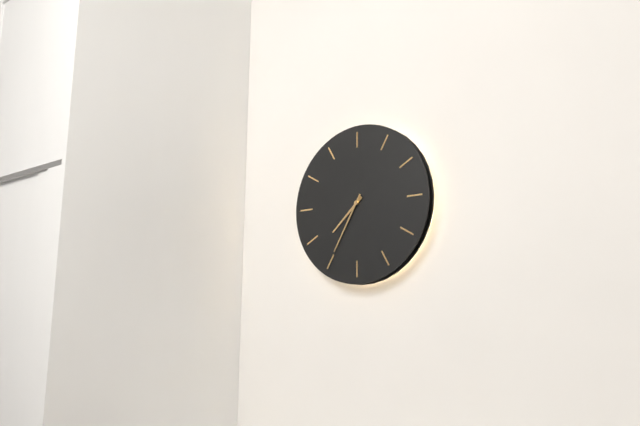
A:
7.35
